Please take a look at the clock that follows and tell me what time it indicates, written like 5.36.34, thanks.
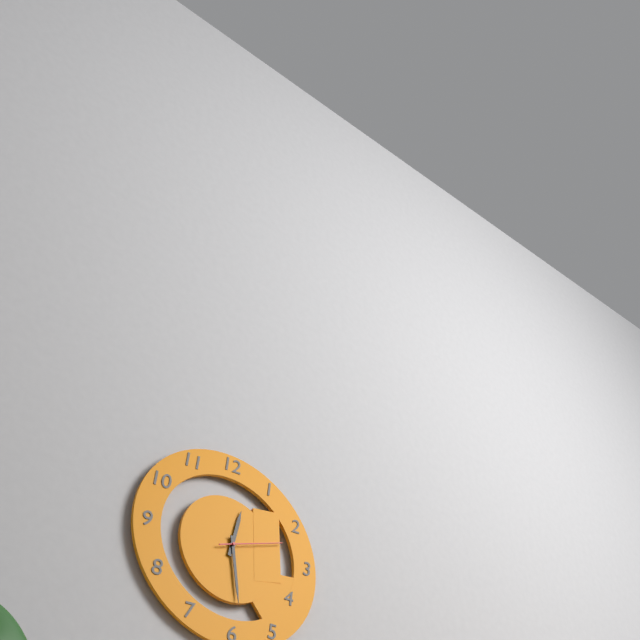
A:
12.29.12
